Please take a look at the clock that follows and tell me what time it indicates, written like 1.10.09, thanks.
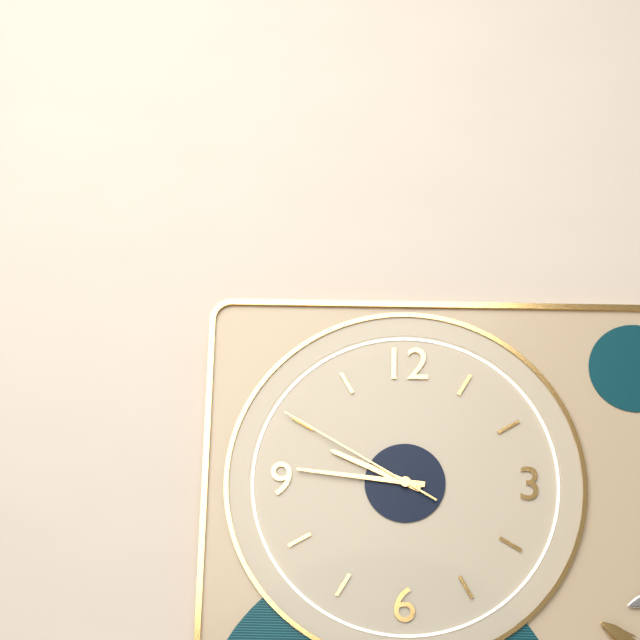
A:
9.46.50
